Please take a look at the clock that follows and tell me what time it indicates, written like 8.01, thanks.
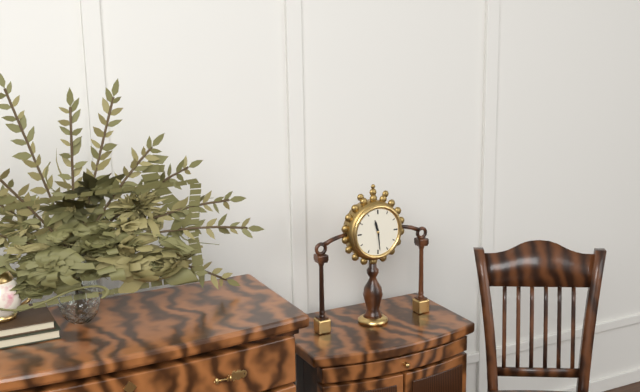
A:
11.29
